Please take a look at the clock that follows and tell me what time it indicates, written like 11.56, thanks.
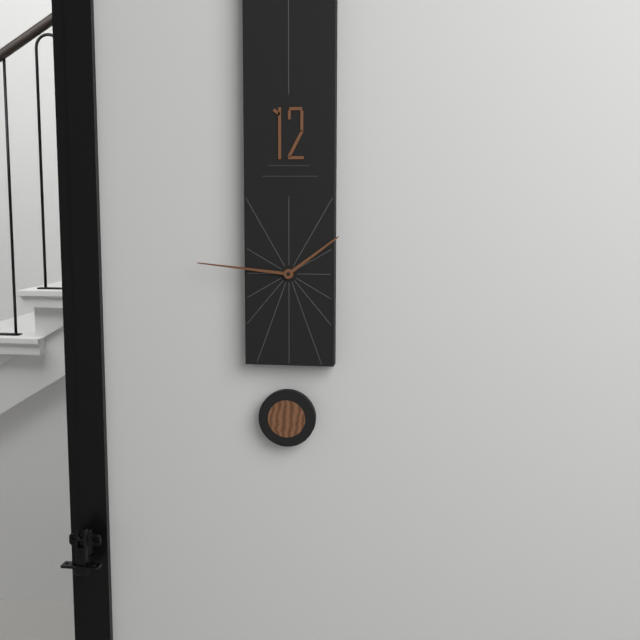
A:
1.46
